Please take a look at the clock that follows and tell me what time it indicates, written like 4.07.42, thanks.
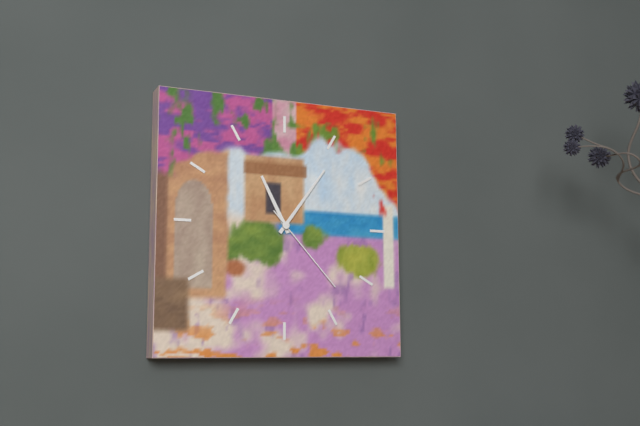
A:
11.06.23
